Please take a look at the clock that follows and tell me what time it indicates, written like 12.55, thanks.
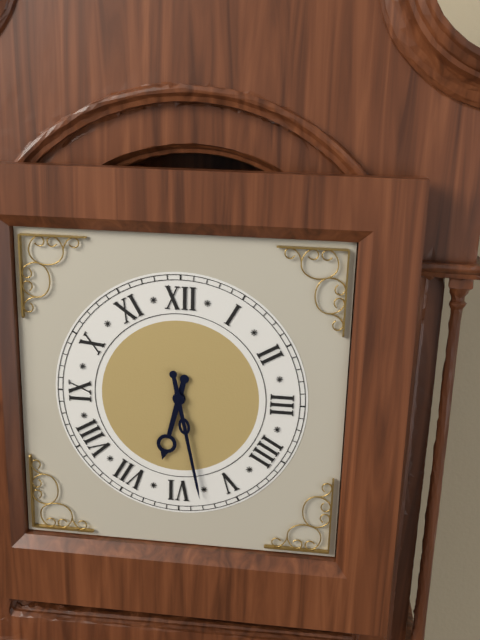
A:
6.28
